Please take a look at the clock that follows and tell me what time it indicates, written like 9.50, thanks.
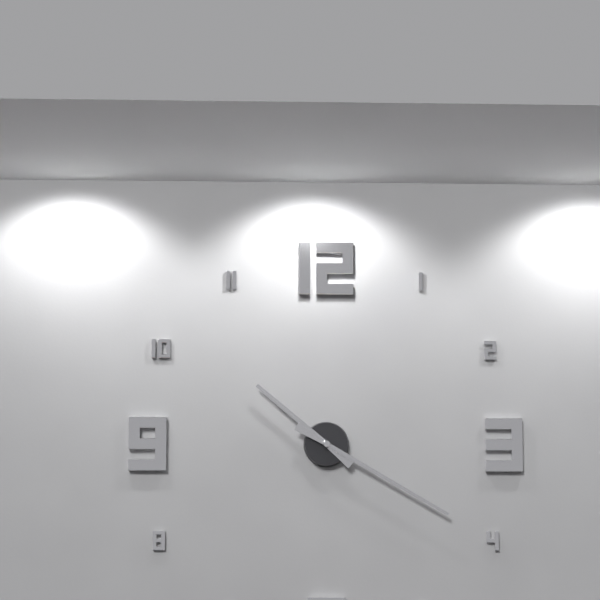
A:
10.20
